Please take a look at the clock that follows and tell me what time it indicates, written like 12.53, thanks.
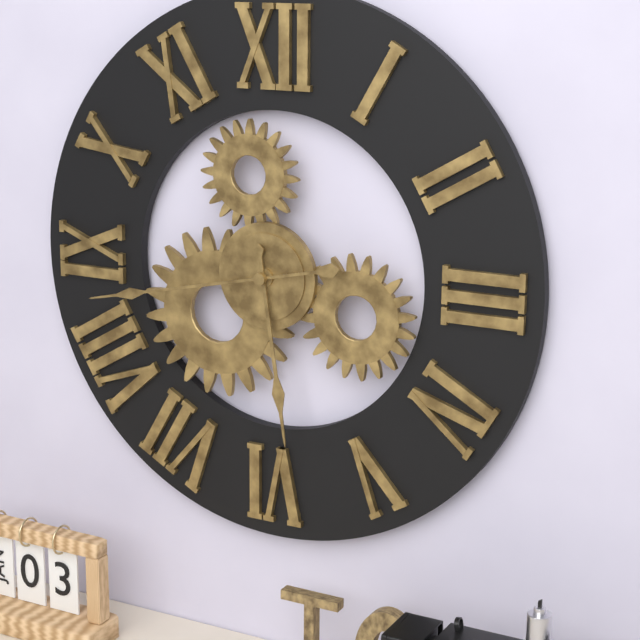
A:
5.43
